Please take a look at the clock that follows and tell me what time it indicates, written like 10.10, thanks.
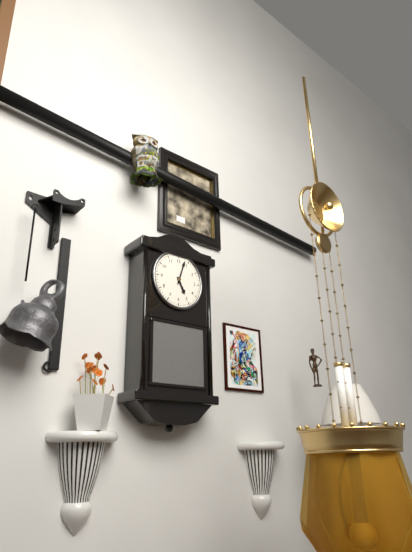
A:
5.03
